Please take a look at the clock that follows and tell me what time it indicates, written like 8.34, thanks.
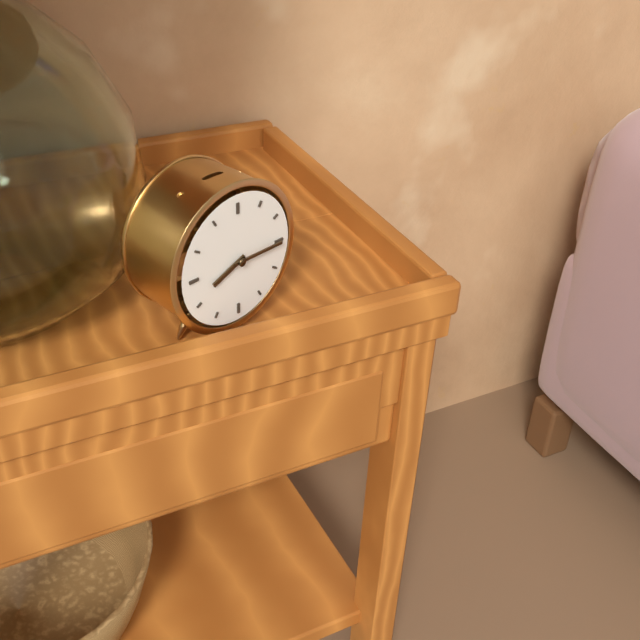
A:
8.15
